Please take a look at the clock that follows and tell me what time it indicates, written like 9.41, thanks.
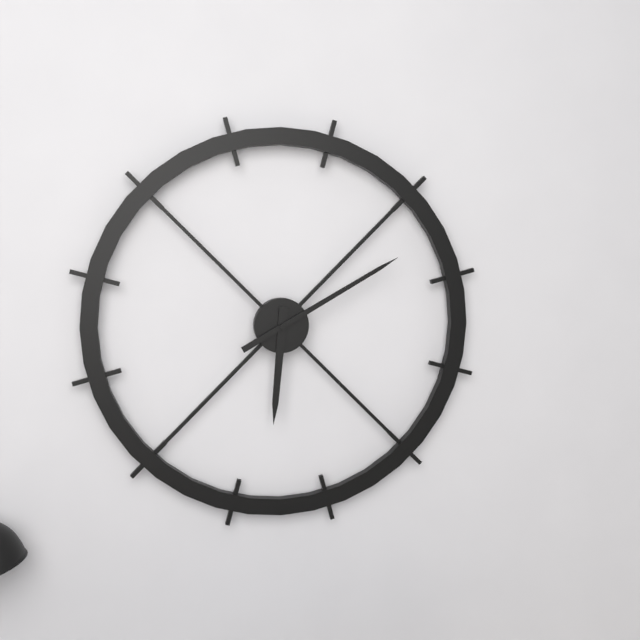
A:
6.10
